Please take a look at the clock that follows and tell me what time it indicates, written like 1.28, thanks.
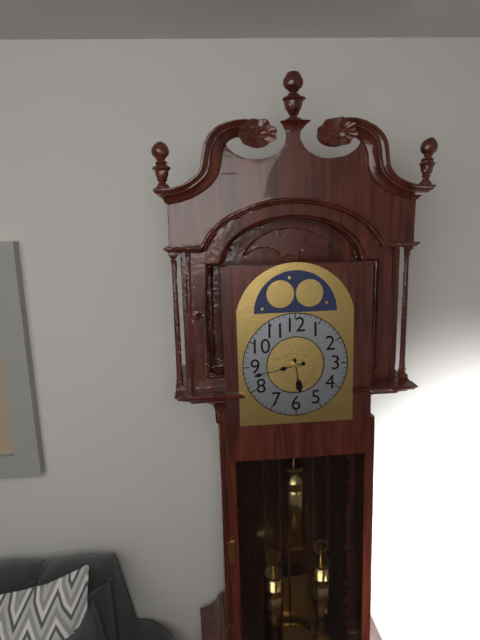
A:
5.43
